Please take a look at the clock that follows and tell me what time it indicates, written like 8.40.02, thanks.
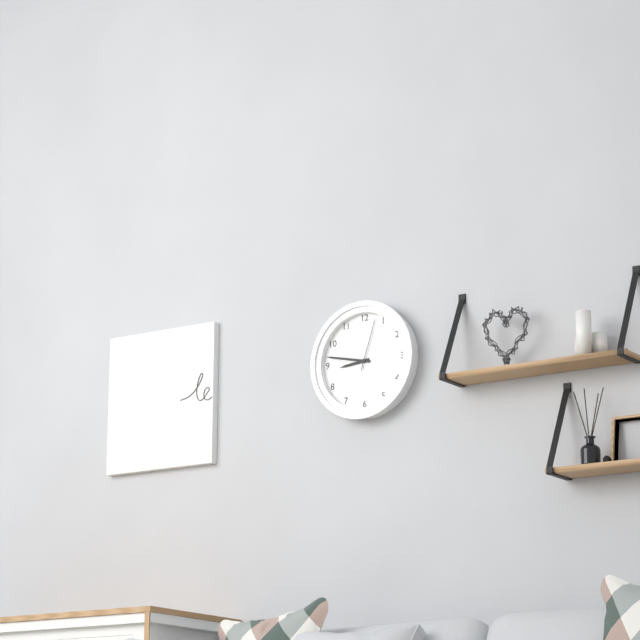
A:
8.47.03
